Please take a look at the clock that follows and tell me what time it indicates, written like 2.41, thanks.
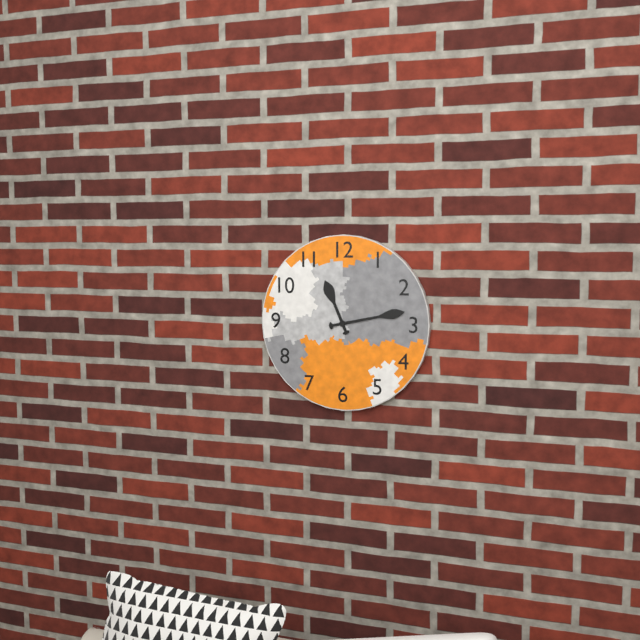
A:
11.13
